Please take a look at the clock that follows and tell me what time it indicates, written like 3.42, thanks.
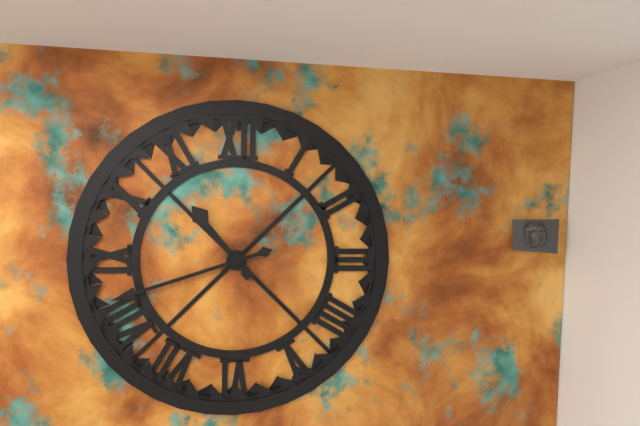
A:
10.42
